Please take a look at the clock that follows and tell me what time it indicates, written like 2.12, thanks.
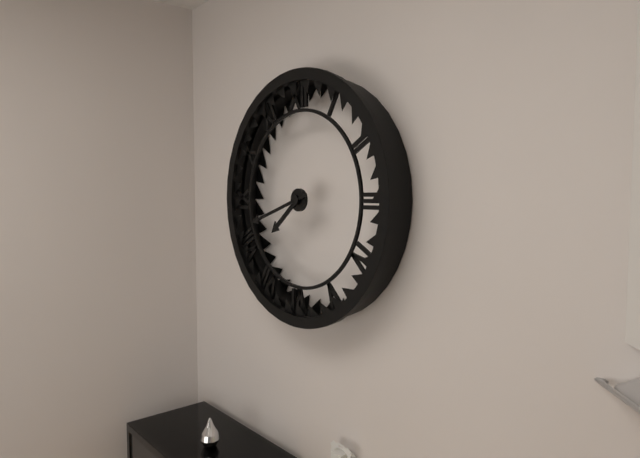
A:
7.42
